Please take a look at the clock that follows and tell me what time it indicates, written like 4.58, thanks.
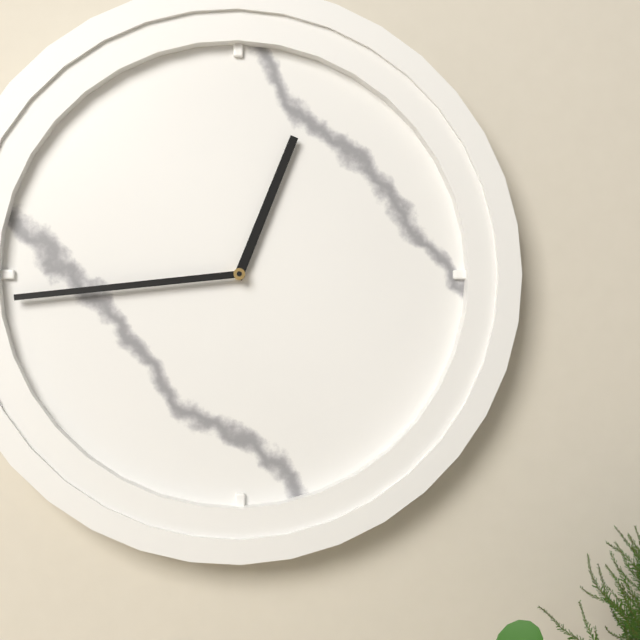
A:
12.44
